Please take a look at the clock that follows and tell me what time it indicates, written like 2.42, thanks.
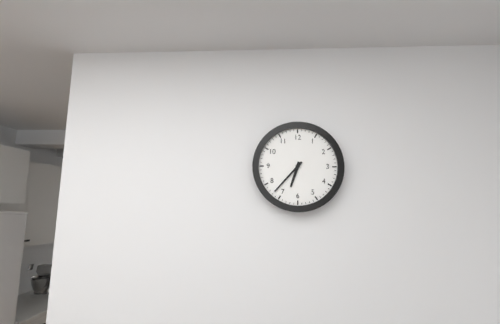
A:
6.37
